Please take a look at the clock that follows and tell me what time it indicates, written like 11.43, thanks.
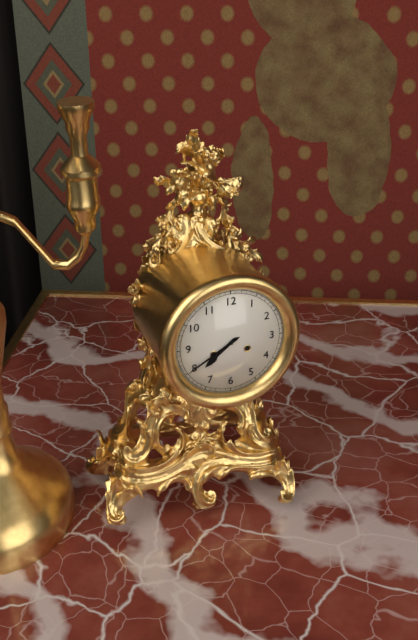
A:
7.40
